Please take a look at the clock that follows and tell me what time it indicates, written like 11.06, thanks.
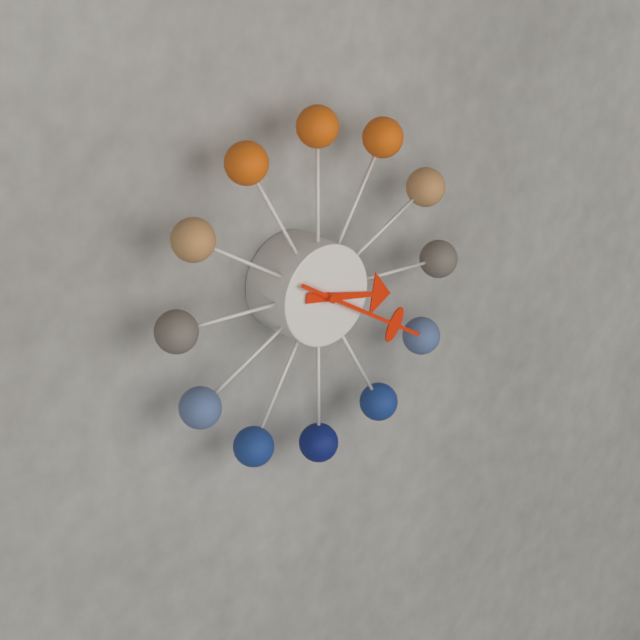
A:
3.20
